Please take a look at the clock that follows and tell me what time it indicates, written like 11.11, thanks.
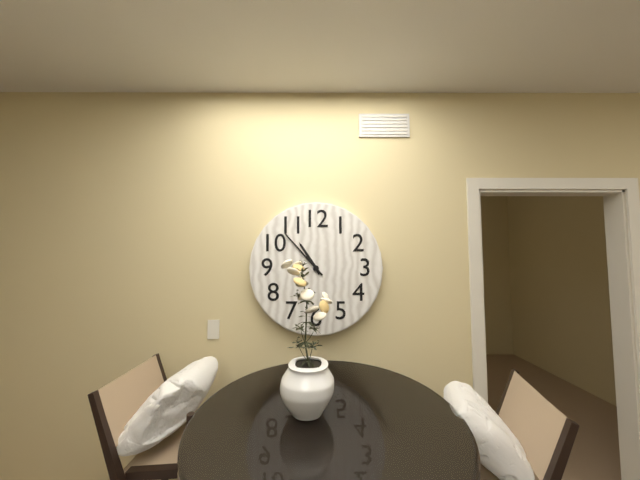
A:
10.53
